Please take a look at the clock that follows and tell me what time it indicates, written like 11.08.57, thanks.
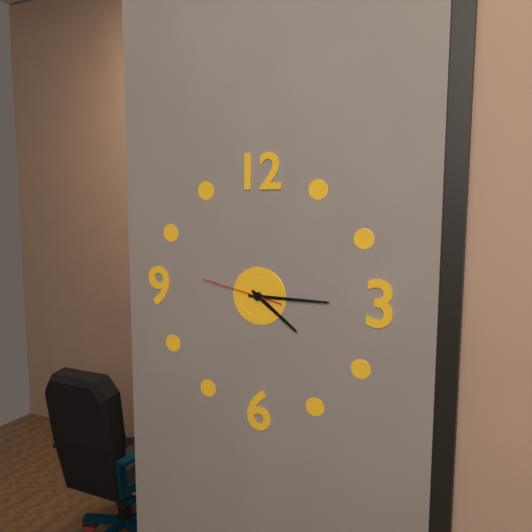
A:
4.15.47
